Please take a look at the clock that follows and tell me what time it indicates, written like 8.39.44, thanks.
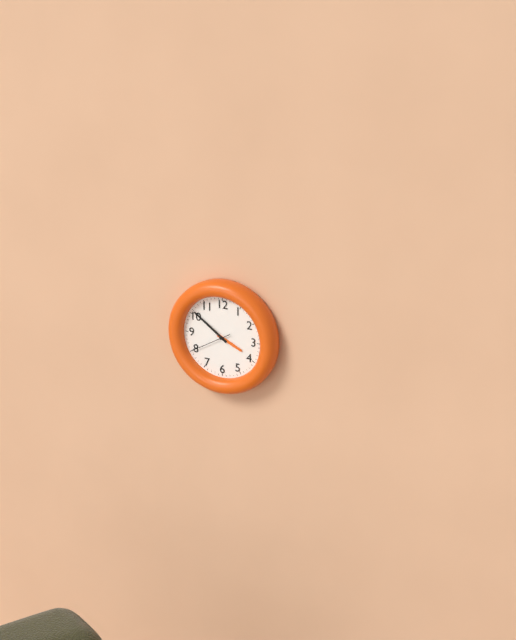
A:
3.51.40
